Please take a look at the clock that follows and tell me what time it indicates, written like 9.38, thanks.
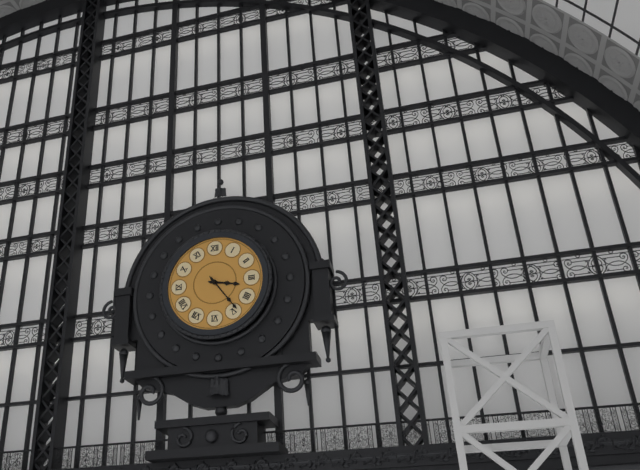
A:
3.24
